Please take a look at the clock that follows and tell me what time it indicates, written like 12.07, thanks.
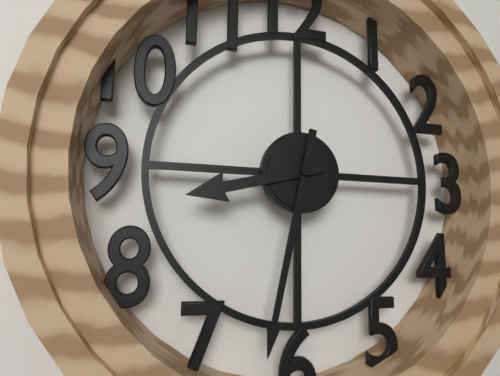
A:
8.32
